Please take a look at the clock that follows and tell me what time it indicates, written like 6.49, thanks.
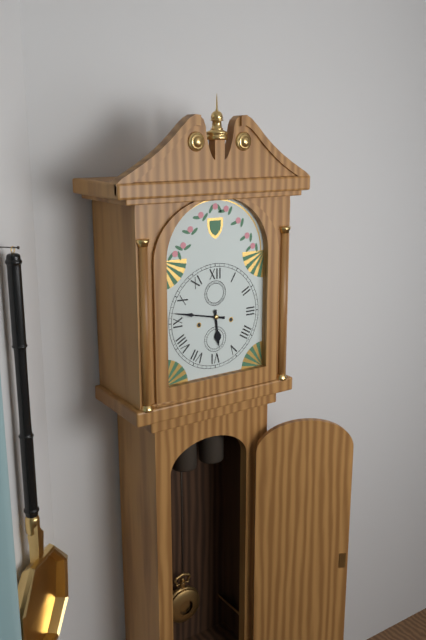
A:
5.47
